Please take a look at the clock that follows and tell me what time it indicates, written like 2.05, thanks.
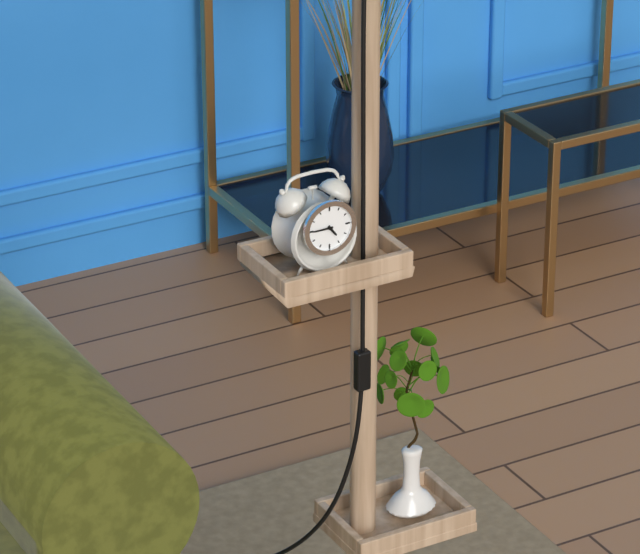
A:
4.45
